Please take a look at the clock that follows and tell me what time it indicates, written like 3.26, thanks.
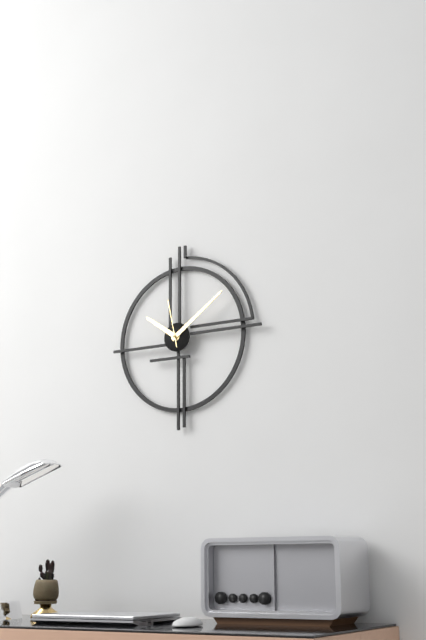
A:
10.09
